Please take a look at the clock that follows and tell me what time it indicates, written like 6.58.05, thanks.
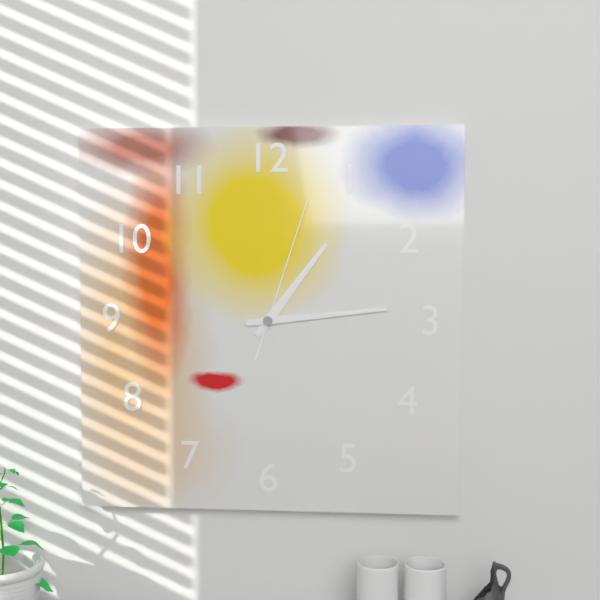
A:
1.14.03
